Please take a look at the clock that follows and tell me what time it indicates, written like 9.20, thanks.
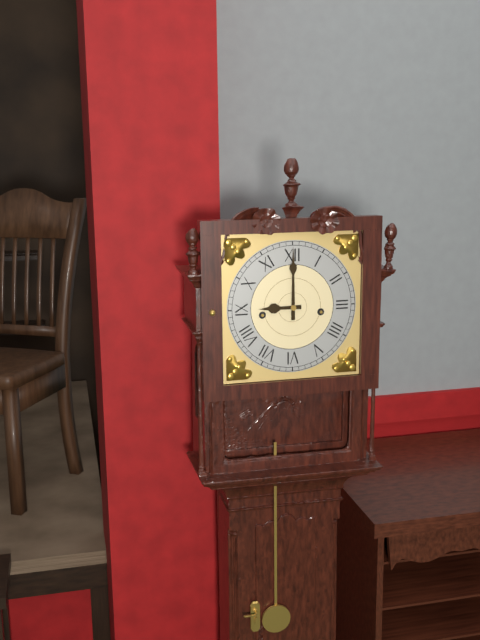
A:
9.00
